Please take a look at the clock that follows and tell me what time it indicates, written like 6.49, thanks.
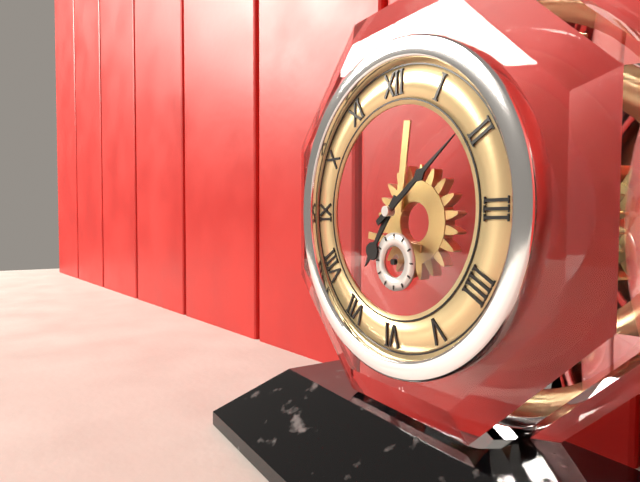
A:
7.09
